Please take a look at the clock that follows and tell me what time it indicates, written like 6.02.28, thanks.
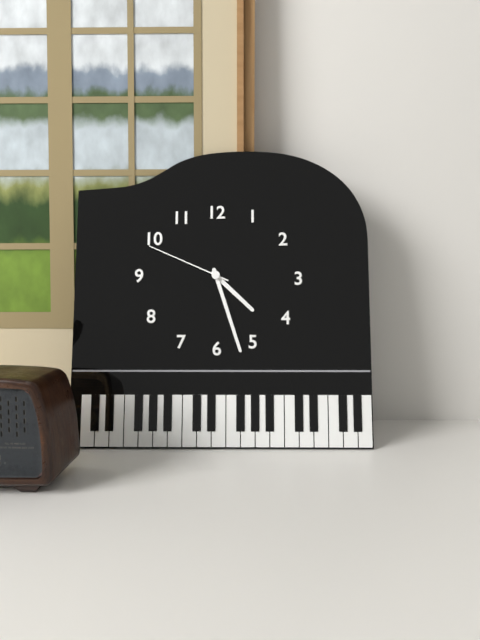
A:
4.27.49
